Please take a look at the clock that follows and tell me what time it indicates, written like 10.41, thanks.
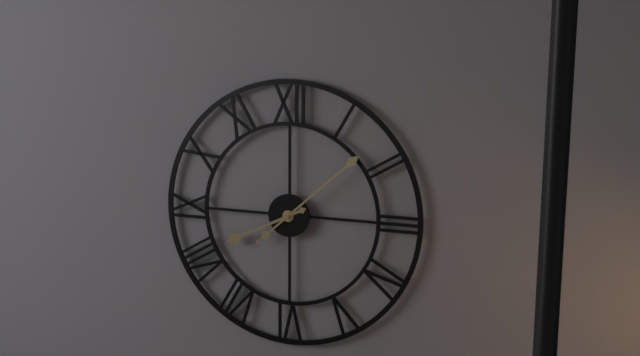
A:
8.08
